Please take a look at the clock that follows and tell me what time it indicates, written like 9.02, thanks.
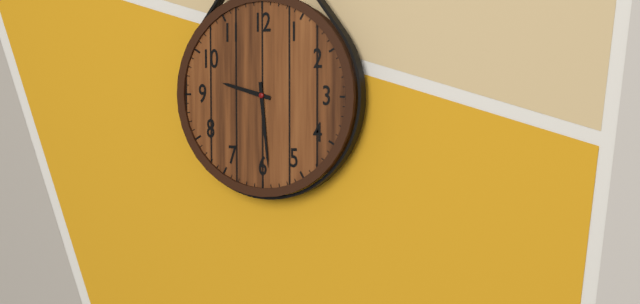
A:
9.29
